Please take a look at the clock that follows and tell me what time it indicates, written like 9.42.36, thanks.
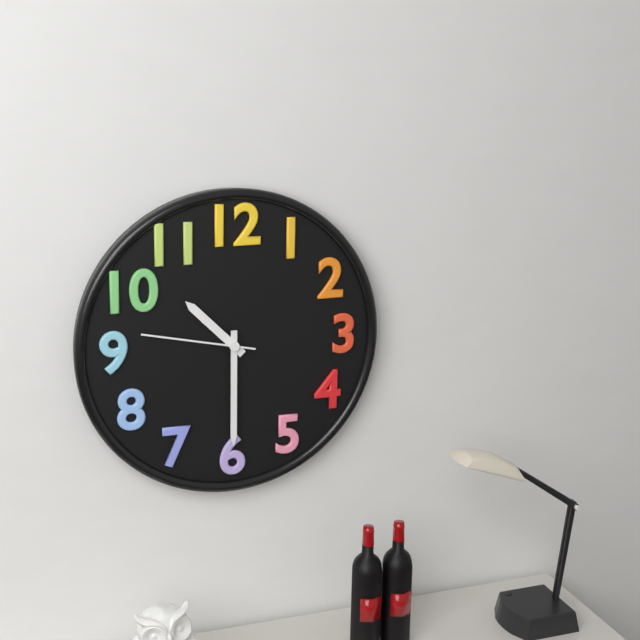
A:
10.30.47
